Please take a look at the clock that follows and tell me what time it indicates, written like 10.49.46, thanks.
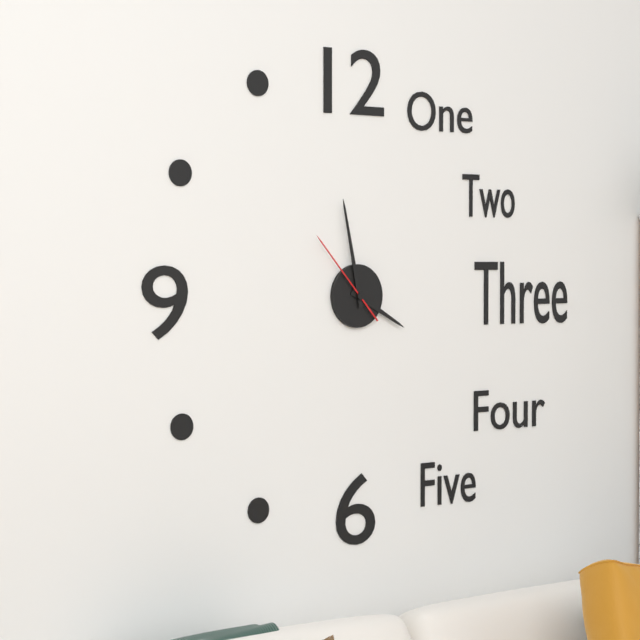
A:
3.58.53
